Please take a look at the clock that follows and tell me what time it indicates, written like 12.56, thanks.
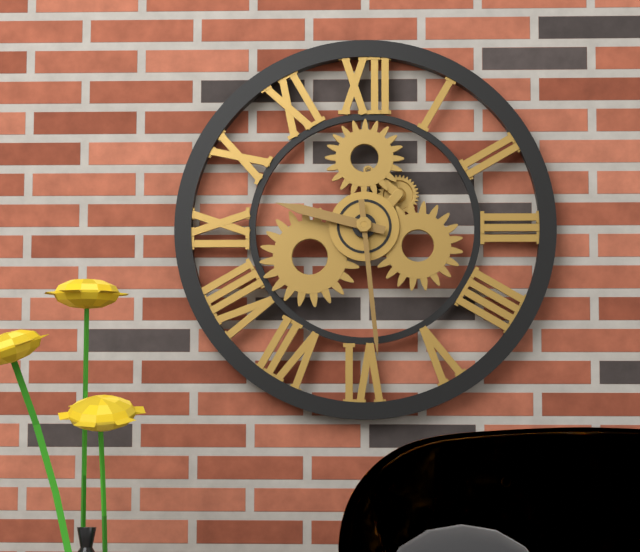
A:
9.29
